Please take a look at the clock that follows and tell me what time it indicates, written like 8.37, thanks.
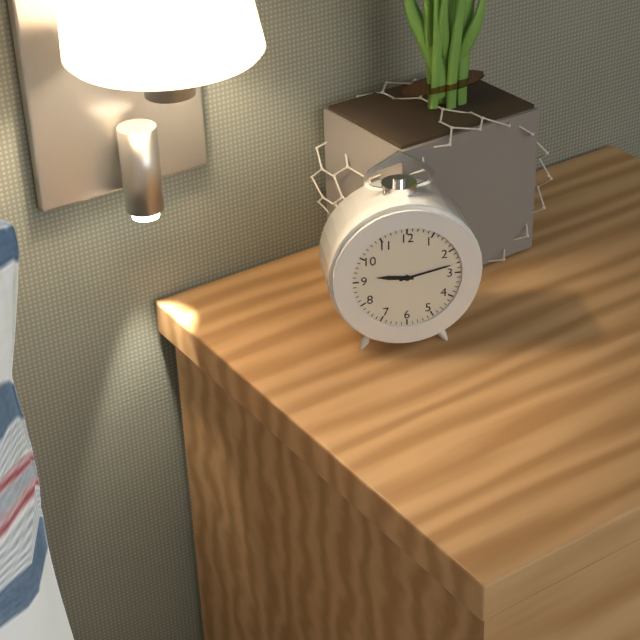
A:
9.13
